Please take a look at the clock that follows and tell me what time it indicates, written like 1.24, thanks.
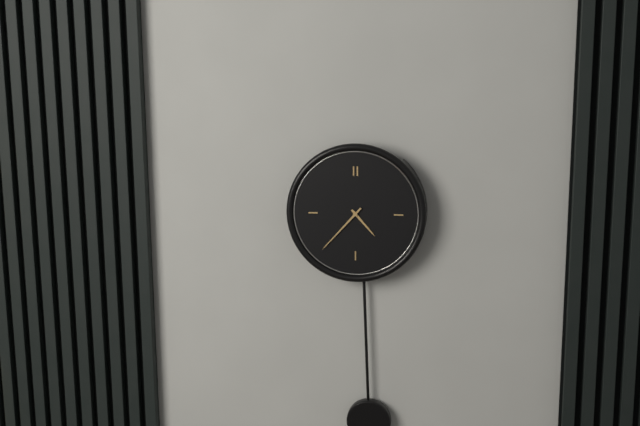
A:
4.37
